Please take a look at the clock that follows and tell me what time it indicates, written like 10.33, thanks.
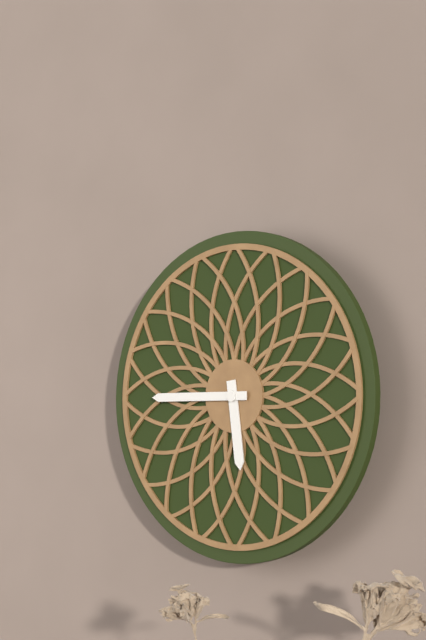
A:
5.45
